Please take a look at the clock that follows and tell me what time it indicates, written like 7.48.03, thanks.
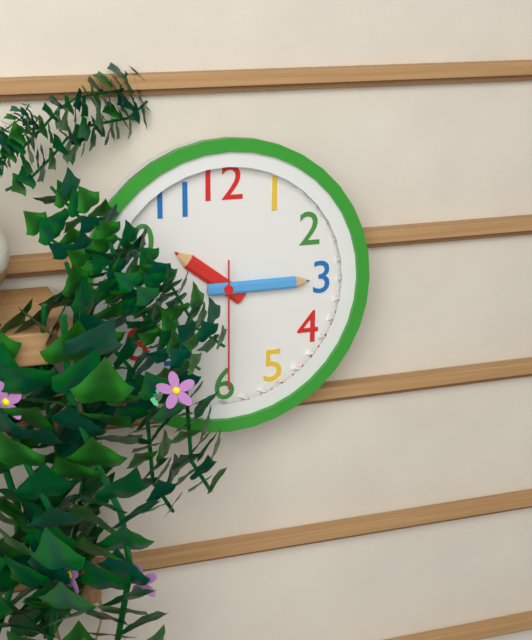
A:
10.15.30
